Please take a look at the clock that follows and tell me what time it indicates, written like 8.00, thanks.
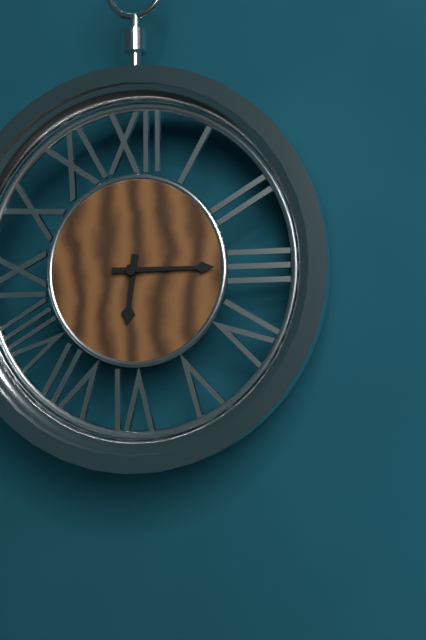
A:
6.15
